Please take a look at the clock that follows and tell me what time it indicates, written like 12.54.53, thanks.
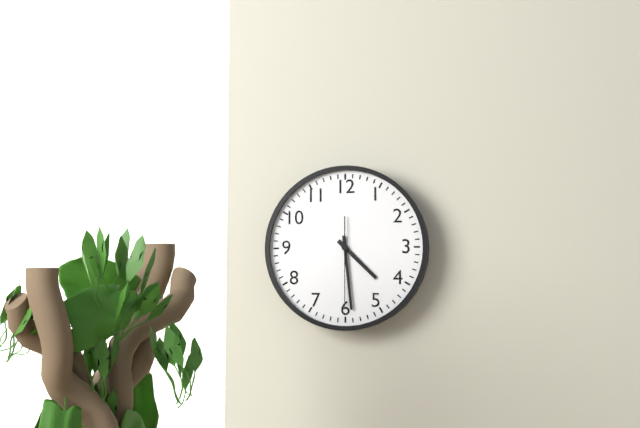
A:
4.29.30
